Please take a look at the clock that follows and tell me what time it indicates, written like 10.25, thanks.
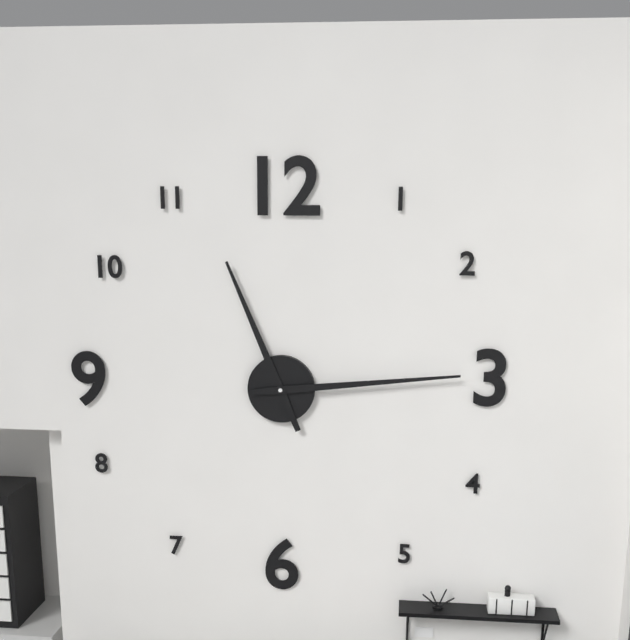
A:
11.14
